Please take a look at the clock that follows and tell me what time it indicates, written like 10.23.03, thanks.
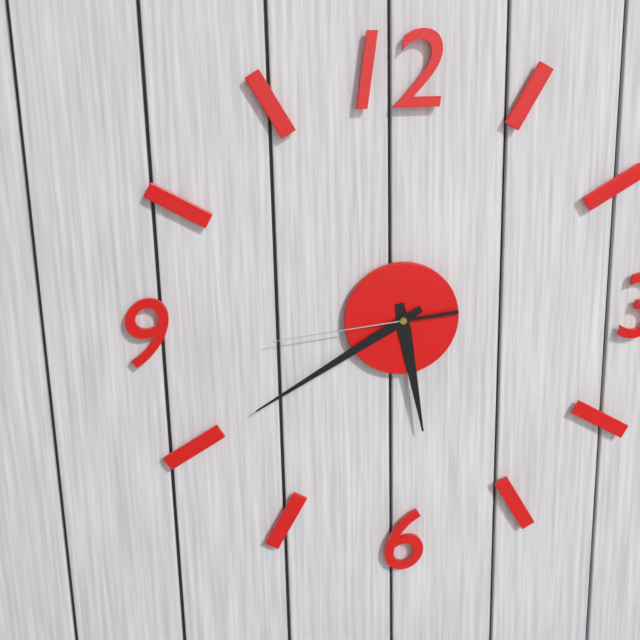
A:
5.40.44
